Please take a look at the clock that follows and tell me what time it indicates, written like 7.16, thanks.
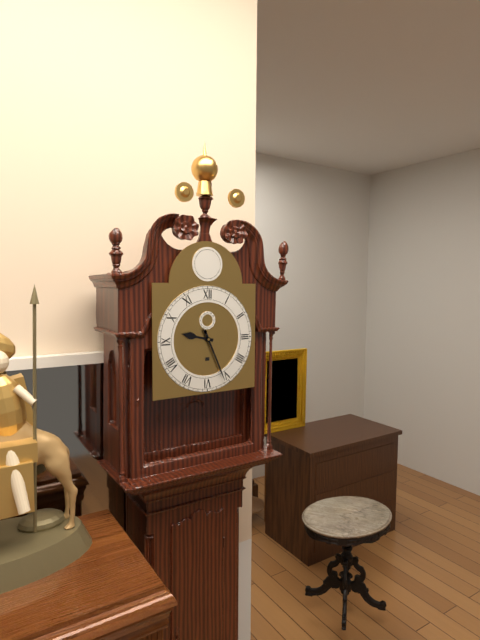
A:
9.26
